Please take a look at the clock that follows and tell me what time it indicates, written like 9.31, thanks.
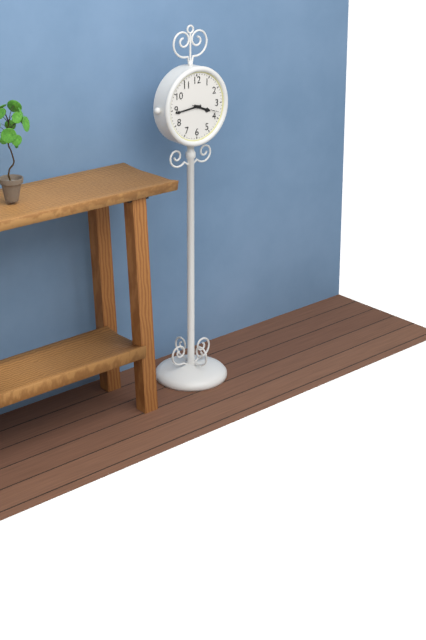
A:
3.44
